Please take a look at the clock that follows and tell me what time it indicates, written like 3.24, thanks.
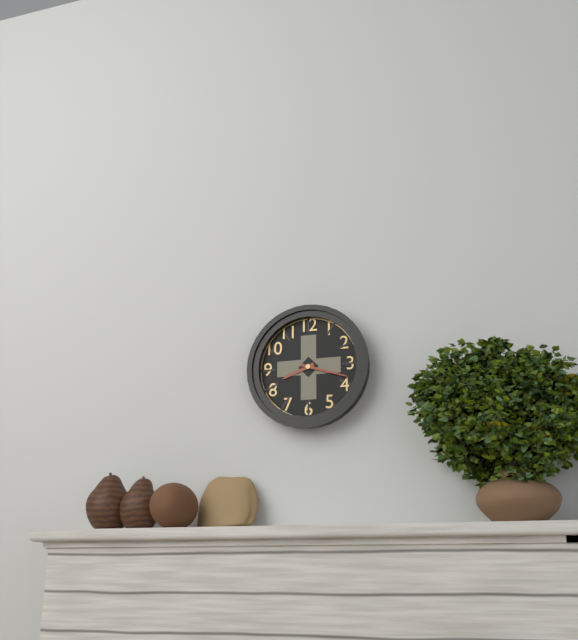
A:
8.18
